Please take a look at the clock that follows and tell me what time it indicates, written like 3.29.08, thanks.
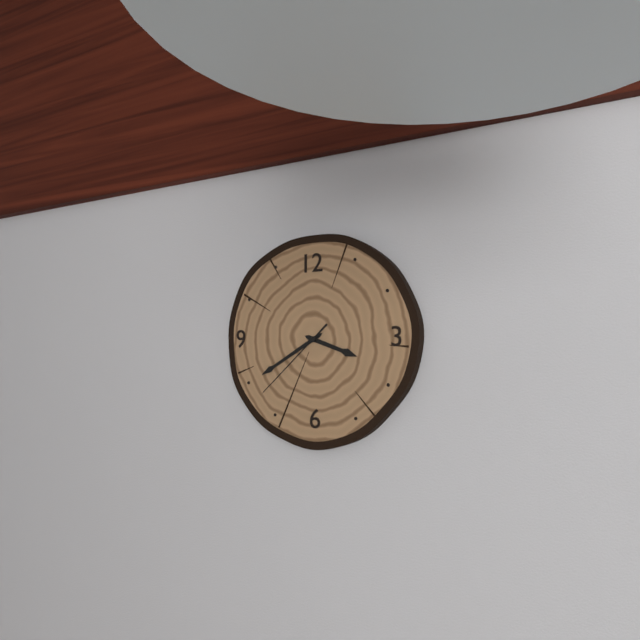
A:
3.40.38
